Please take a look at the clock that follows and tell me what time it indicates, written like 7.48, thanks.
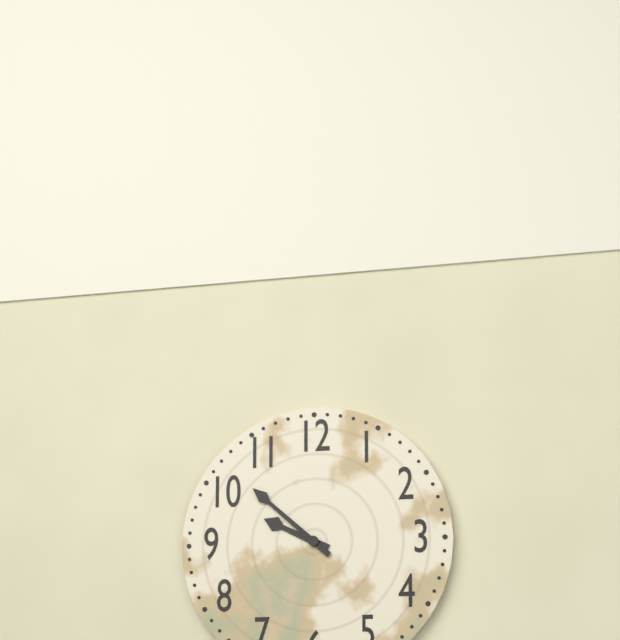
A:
9.52
